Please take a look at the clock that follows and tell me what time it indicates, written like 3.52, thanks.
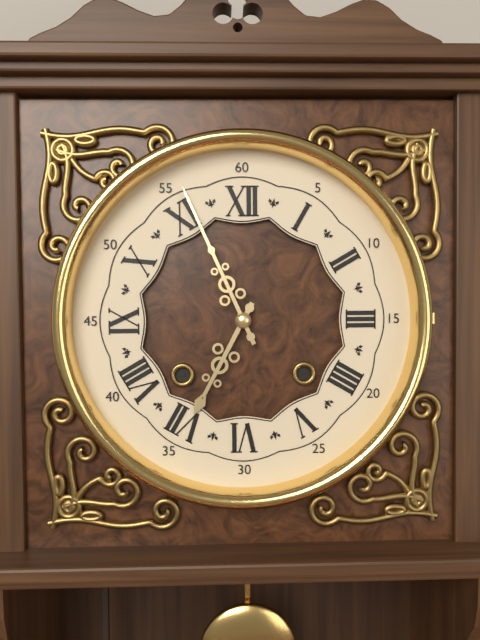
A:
6.56
